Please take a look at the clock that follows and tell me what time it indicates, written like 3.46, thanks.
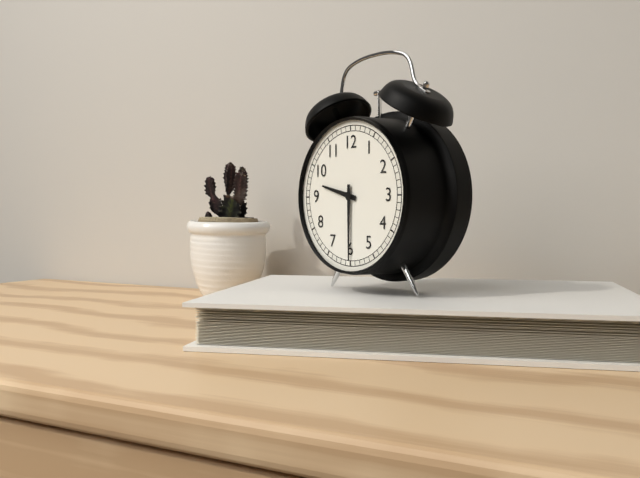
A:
9.30
